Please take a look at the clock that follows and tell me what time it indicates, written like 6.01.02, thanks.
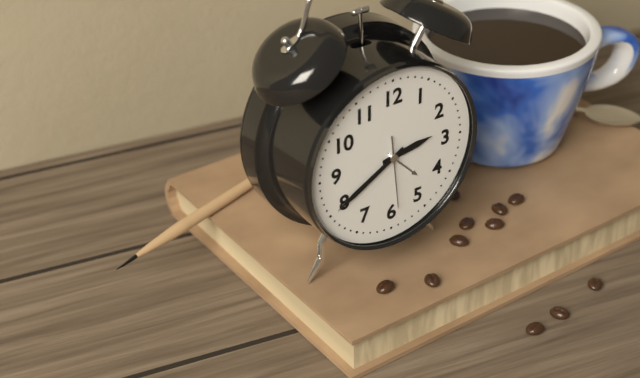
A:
2.40.29
